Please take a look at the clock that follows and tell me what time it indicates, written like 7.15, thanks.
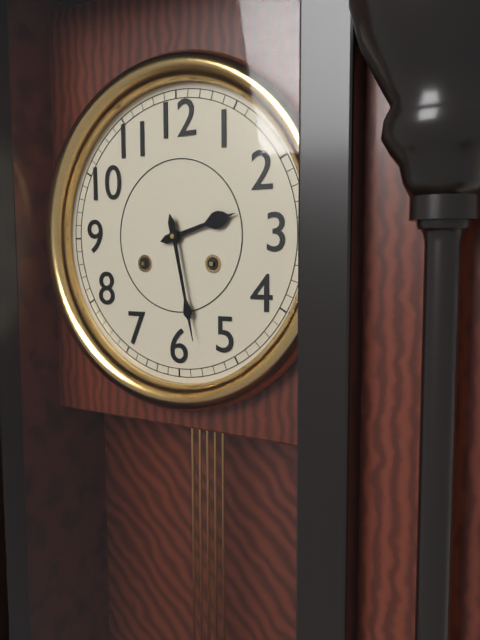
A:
2.28
